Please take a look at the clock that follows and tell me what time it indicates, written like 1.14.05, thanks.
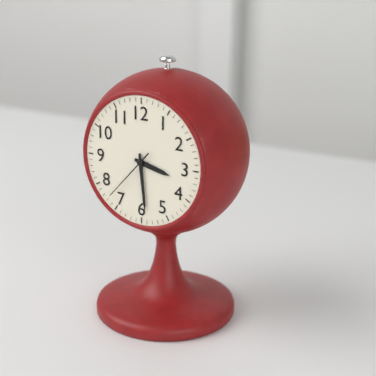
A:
3.29.37
